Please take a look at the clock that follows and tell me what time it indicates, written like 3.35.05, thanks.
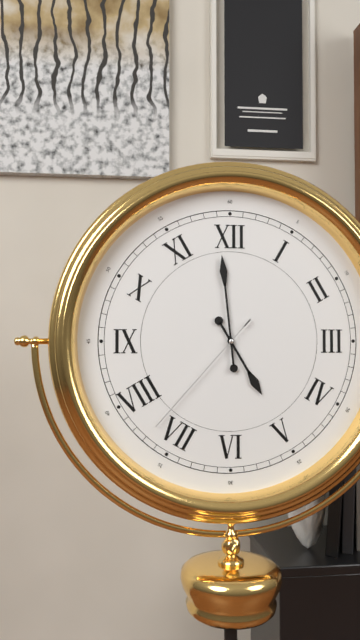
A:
4.59.37
